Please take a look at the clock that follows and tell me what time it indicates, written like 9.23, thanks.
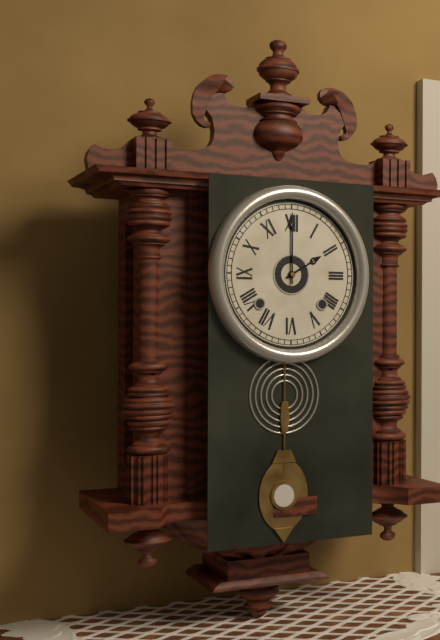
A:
2.00
